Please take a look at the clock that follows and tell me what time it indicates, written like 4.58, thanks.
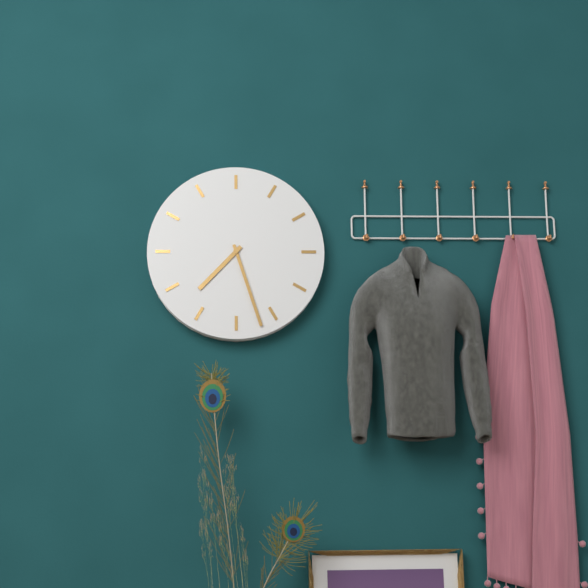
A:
7.27
